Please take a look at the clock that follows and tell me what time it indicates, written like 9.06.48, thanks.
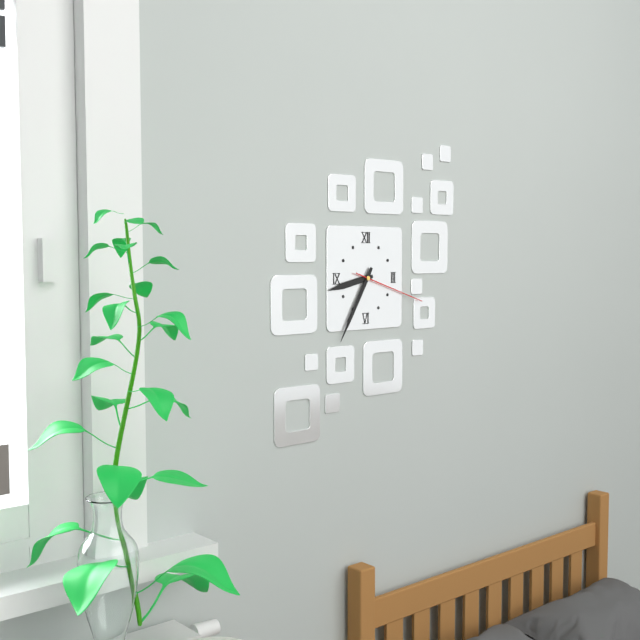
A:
8.35.18
